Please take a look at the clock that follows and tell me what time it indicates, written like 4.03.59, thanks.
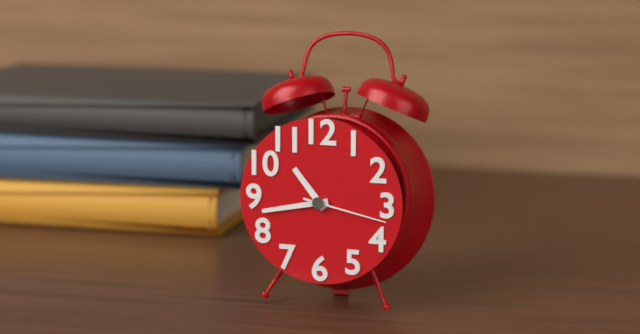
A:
10.43.17
